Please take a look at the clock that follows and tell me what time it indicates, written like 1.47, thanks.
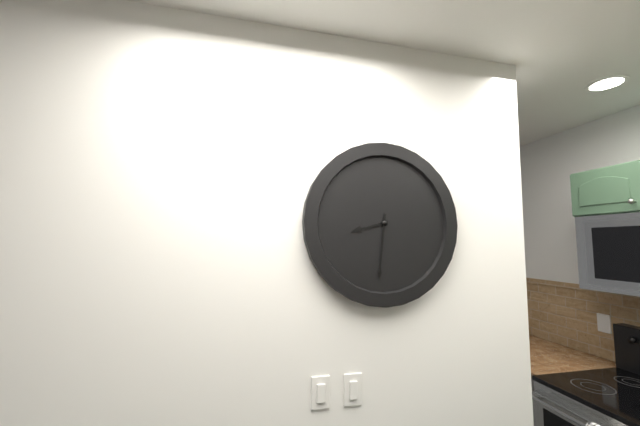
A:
8.31
